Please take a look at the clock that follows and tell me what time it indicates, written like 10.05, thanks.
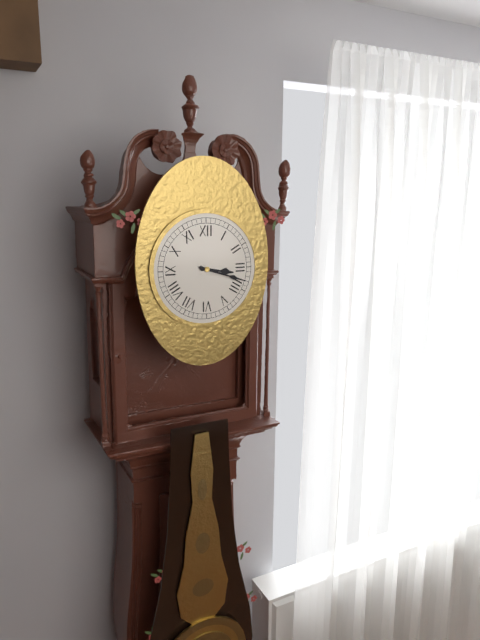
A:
3.18
